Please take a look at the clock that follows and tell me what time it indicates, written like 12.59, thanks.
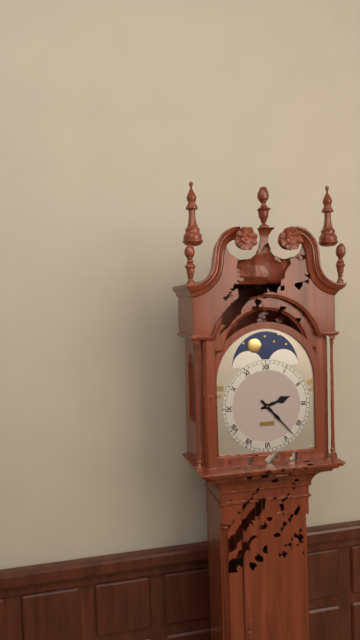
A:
2.23
